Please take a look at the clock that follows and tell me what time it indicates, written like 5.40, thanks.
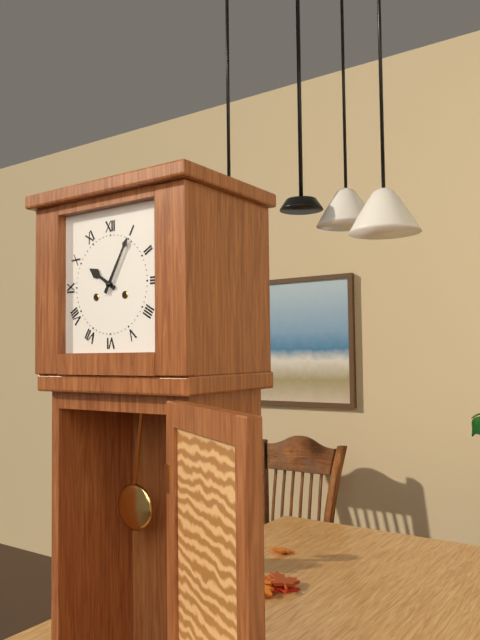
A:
10.05
